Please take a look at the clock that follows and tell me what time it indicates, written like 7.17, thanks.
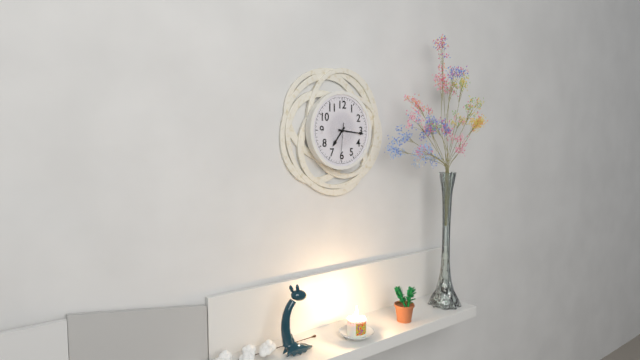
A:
7.16
